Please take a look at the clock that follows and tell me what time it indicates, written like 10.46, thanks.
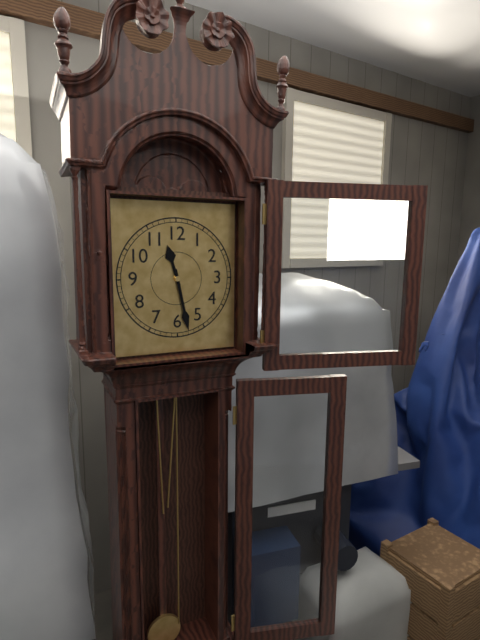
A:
11.28
